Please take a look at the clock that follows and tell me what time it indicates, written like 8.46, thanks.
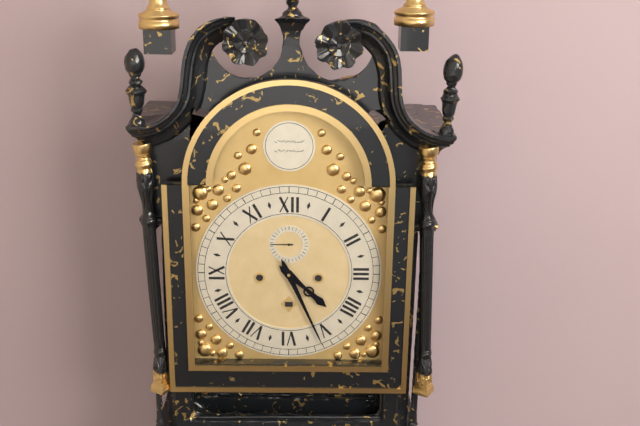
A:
4.26
